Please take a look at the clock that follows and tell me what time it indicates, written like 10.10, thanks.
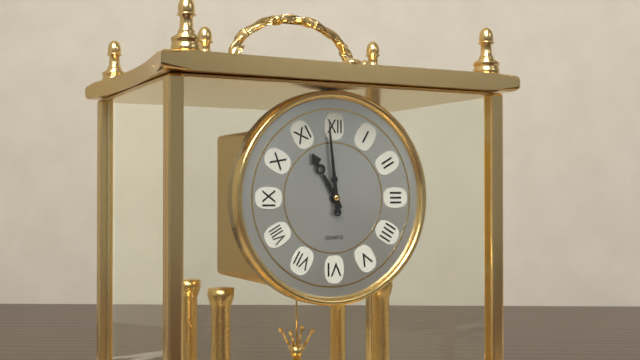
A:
10.59
